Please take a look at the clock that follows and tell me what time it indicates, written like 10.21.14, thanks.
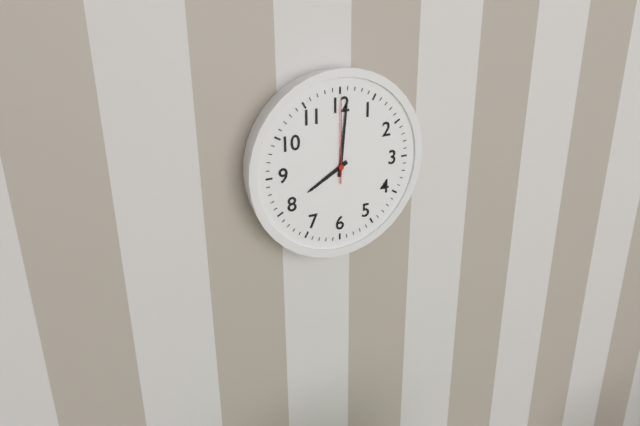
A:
8.01.00
